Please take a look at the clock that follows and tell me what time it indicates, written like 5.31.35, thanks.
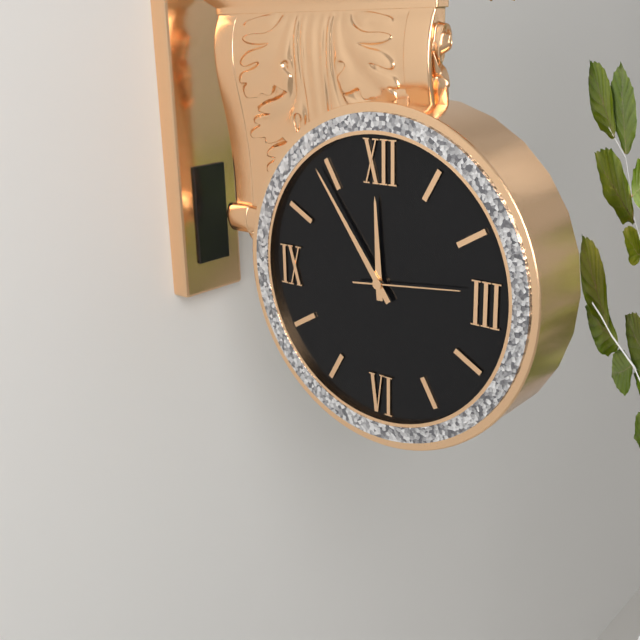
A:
11.54.14
